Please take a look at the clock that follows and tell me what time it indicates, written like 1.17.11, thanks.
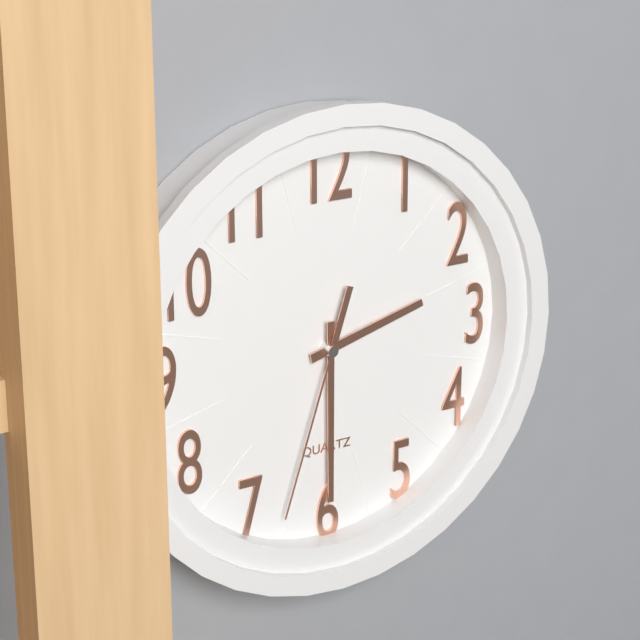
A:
2.30.33
